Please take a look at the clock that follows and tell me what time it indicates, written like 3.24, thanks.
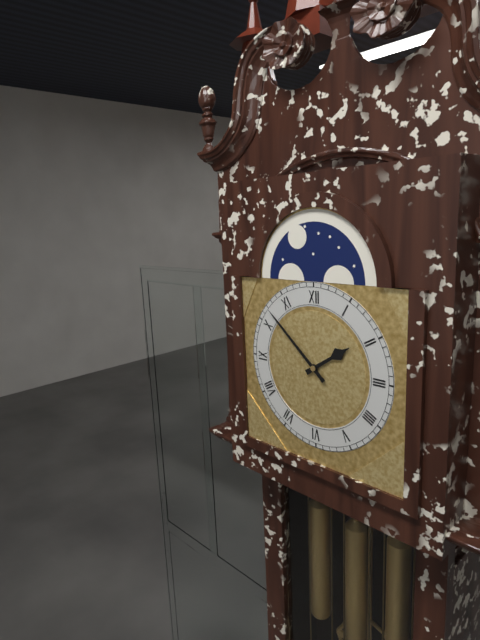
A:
1.52
